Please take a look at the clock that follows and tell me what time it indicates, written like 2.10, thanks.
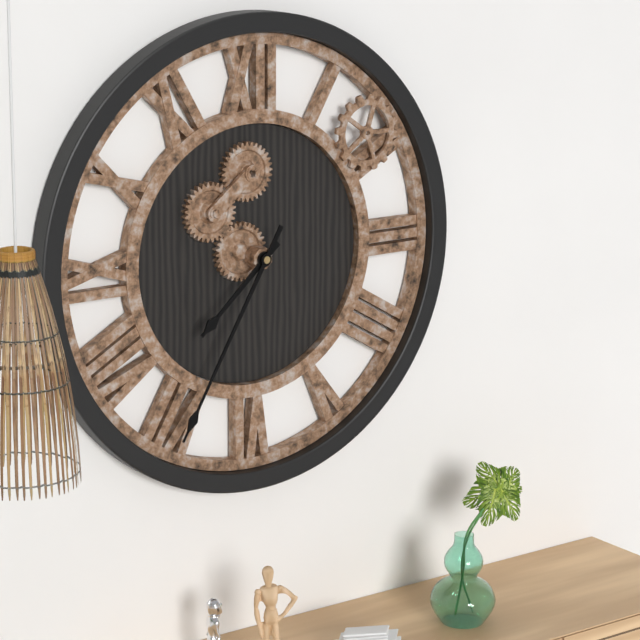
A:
7.35
